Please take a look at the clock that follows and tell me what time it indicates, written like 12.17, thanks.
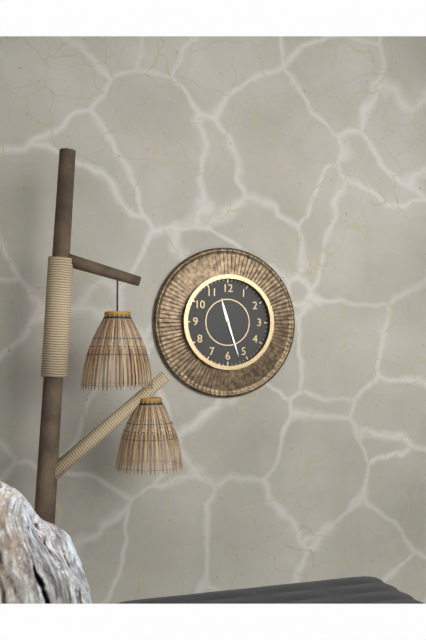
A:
11.27
